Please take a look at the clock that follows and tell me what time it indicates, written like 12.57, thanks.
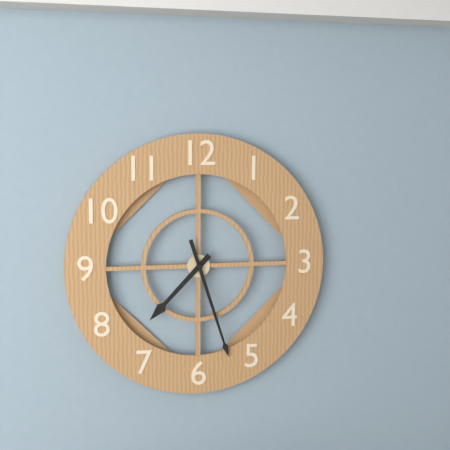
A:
7.27
